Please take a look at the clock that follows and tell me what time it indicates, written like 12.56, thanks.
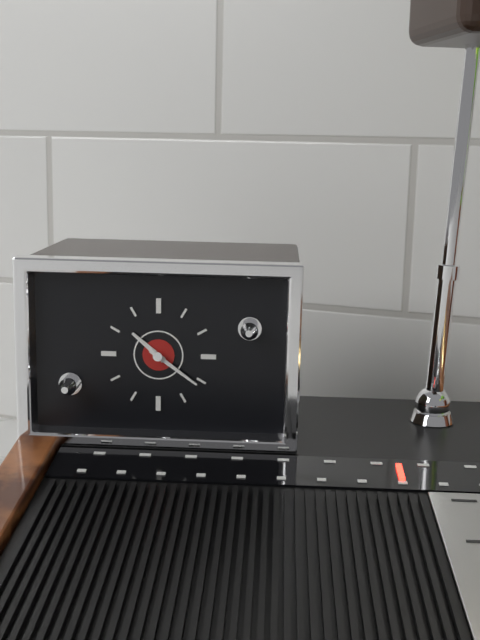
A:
10.21
